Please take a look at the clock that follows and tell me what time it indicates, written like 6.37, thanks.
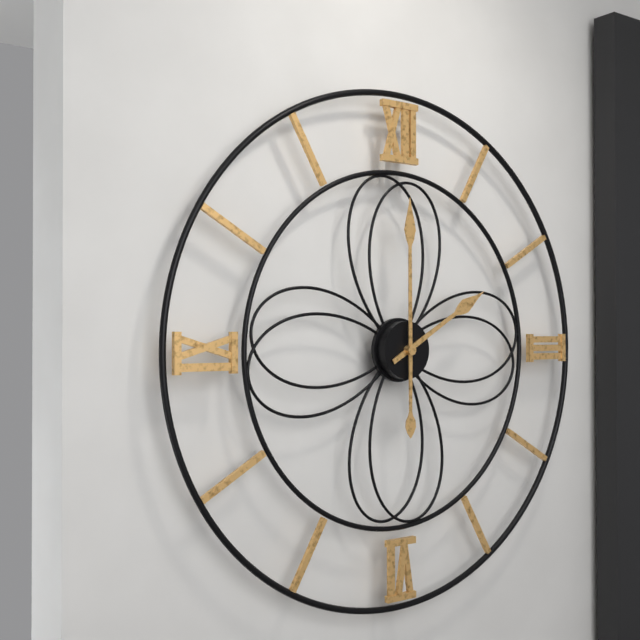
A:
2.00
